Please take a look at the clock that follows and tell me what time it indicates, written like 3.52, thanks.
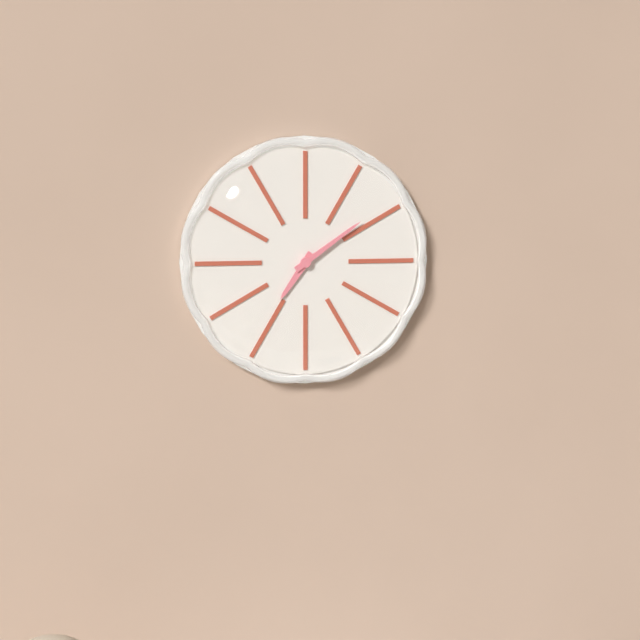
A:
7.09
